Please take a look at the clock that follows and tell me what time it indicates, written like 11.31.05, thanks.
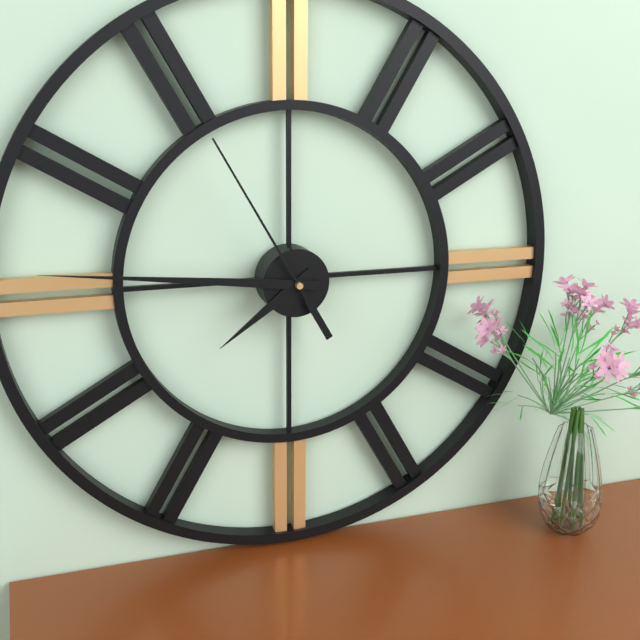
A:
7.46.55
